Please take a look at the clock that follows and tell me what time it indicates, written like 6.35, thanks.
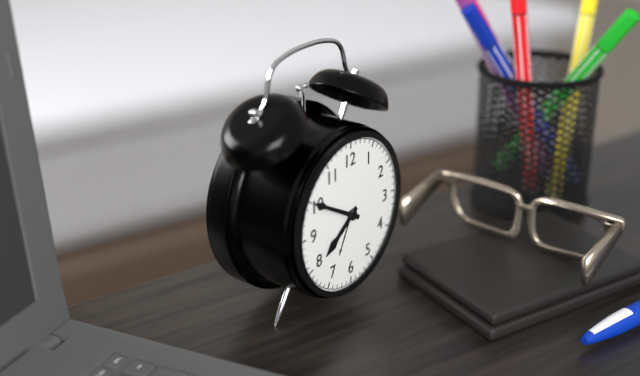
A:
7.50
